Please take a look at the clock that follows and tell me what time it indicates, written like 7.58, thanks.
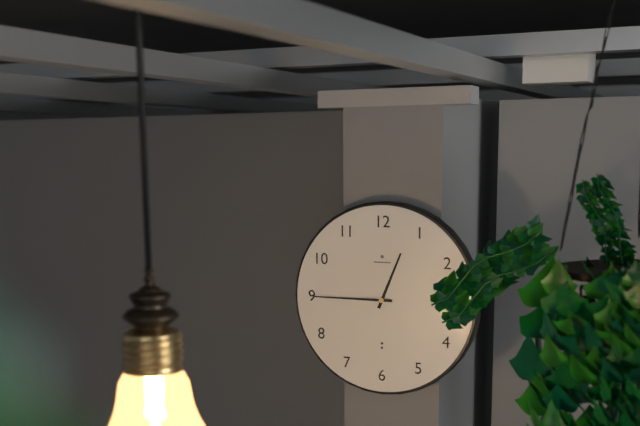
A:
12.45
